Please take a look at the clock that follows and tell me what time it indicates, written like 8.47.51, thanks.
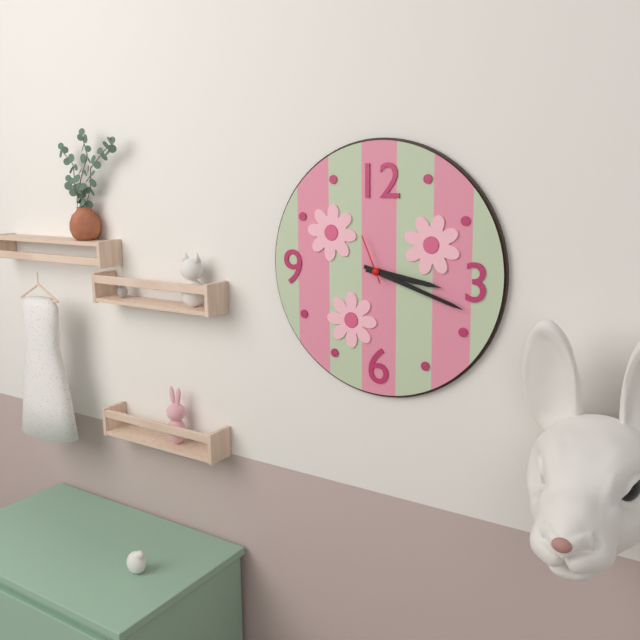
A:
3.18.56
